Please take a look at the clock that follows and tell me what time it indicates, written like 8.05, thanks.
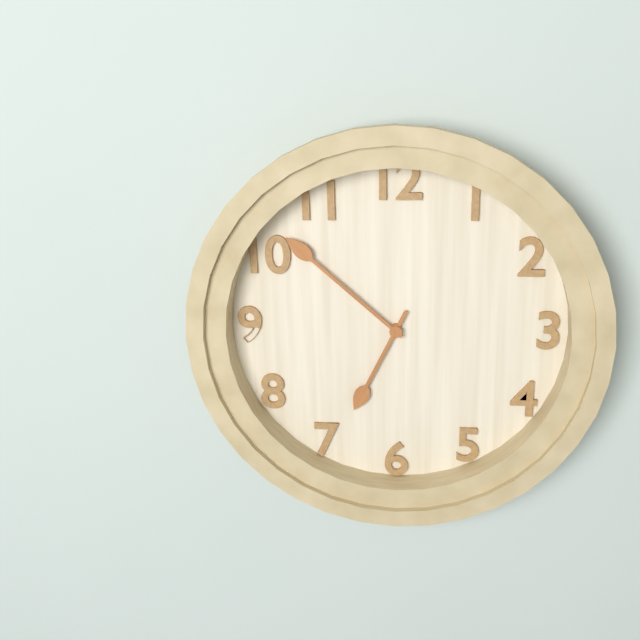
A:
6.52
